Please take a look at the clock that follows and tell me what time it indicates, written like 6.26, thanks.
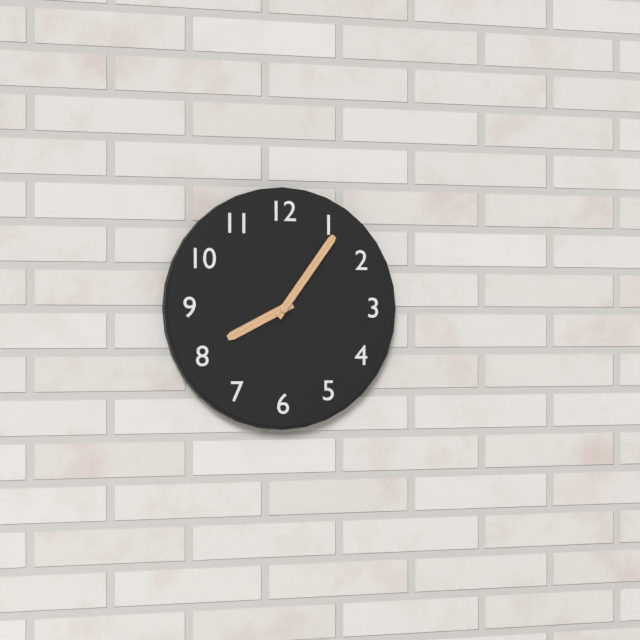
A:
8.06
